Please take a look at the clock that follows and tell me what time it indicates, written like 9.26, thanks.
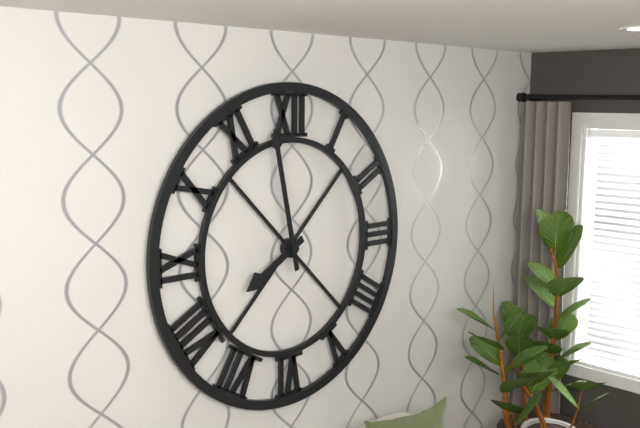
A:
7.58
